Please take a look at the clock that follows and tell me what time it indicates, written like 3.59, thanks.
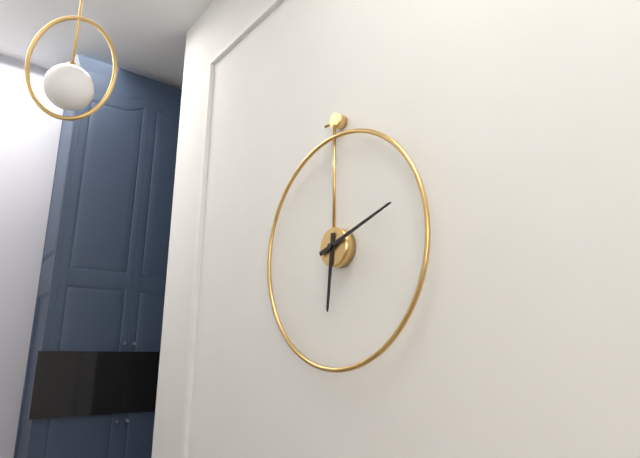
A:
6.12
